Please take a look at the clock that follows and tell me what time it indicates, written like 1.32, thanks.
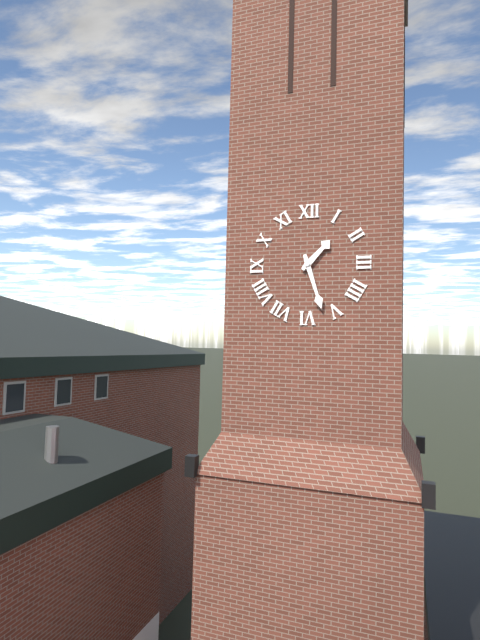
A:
1.27
